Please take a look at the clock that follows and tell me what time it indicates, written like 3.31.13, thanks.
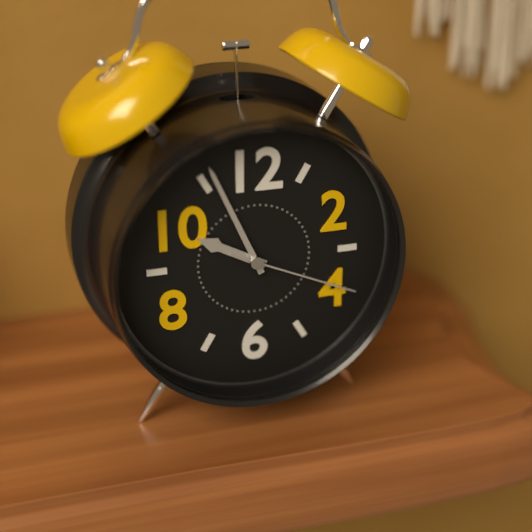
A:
9.56.19
